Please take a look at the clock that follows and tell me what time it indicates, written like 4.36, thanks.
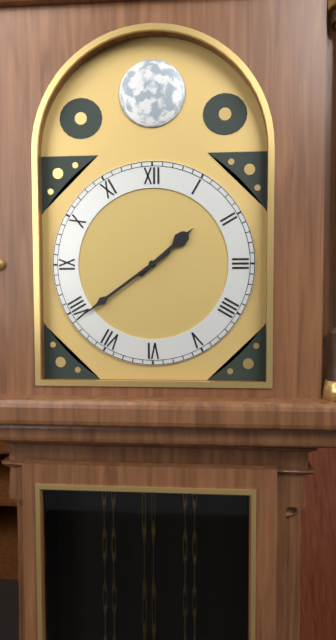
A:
1.39
